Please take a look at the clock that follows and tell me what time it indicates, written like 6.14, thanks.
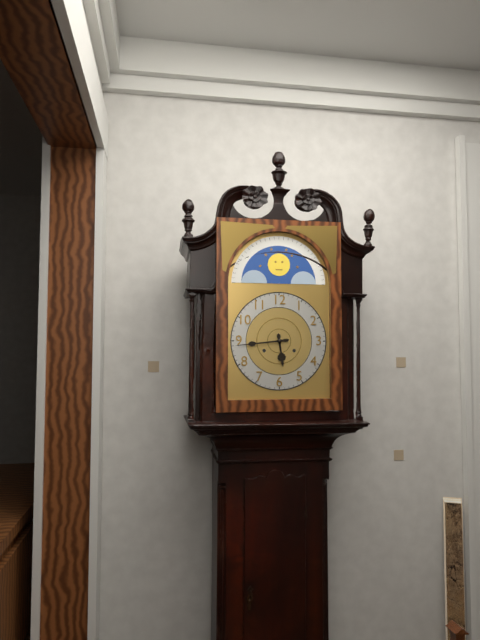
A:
5.44
